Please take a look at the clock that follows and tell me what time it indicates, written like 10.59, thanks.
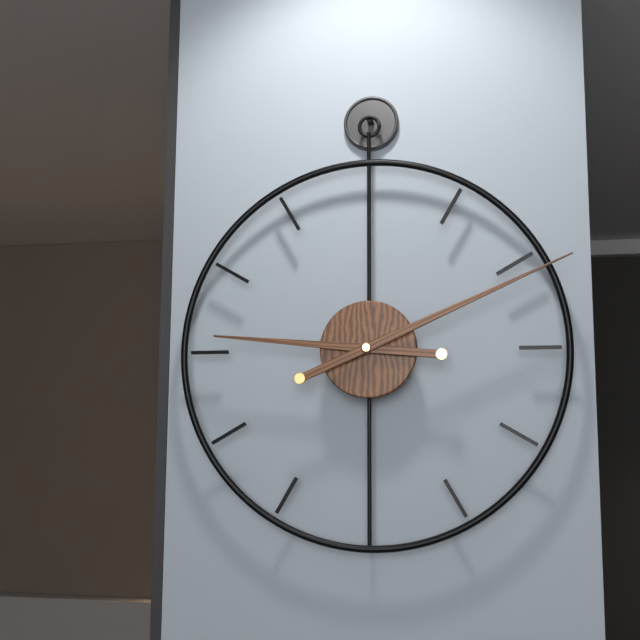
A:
9.11
